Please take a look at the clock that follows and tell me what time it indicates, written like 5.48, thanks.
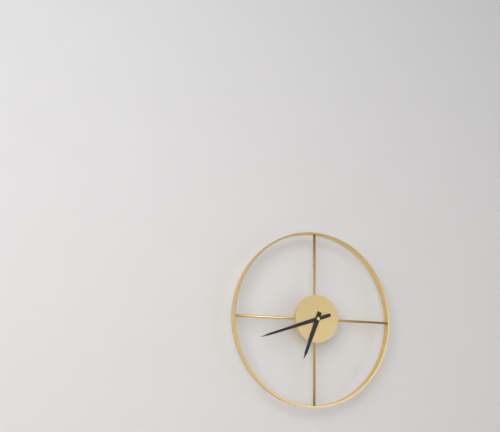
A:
6.42
